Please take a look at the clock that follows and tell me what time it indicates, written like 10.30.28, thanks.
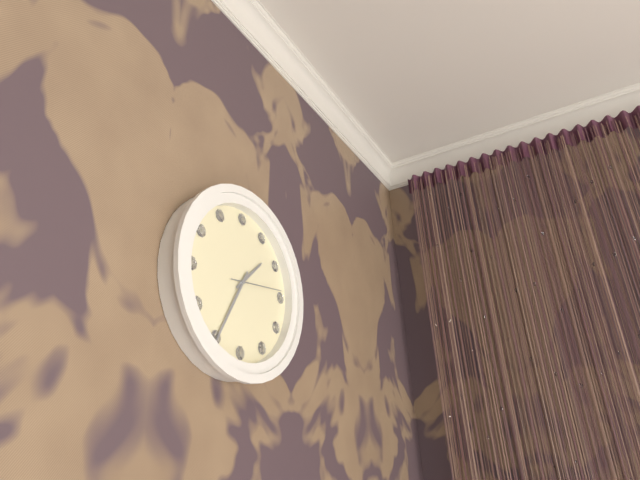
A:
1.35.14
